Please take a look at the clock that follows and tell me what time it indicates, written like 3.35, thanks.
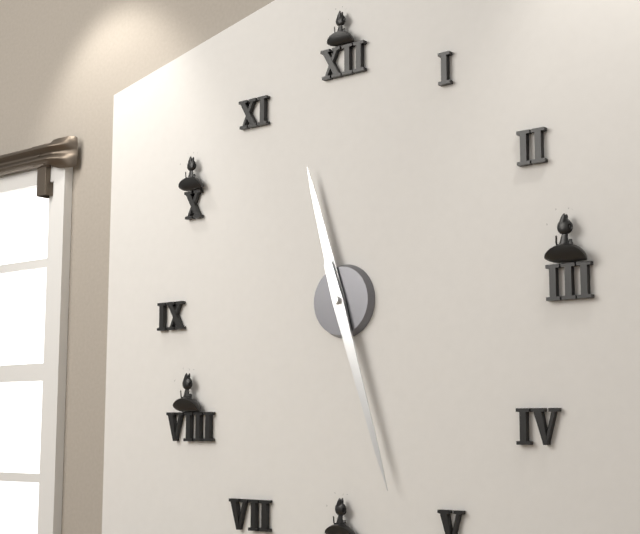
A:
11.27
